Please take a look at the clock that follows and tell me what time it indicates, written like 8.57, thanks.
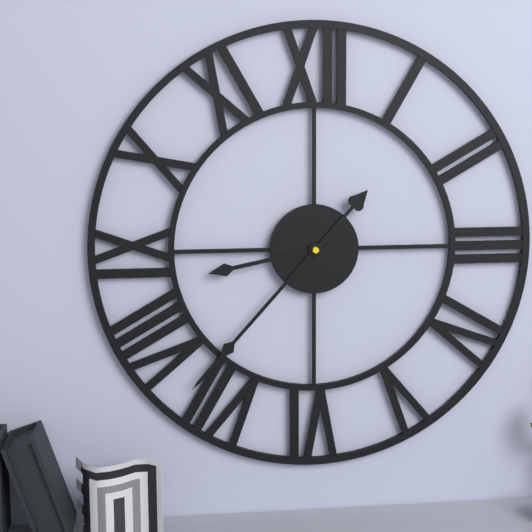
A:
8.37
